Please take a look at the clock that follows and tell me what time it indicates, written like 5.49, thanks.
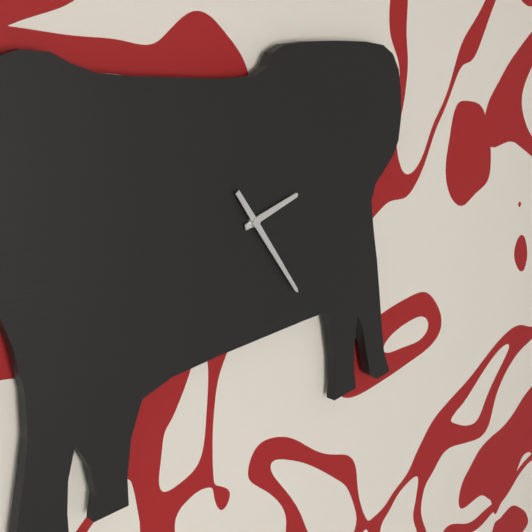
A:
2.24
